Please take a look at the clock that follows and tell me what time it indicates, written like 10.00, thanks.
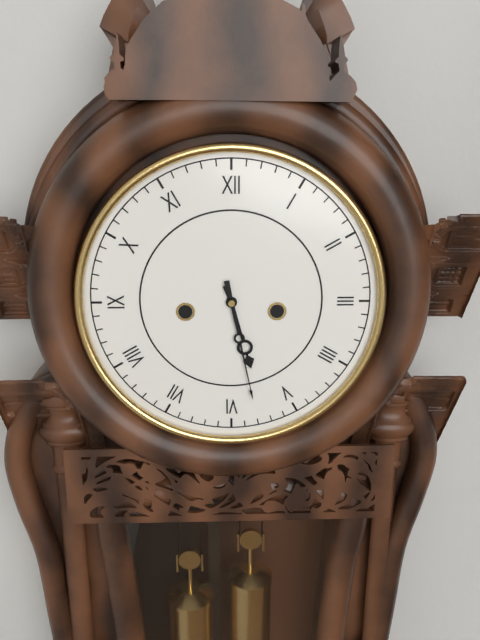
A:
5.28
